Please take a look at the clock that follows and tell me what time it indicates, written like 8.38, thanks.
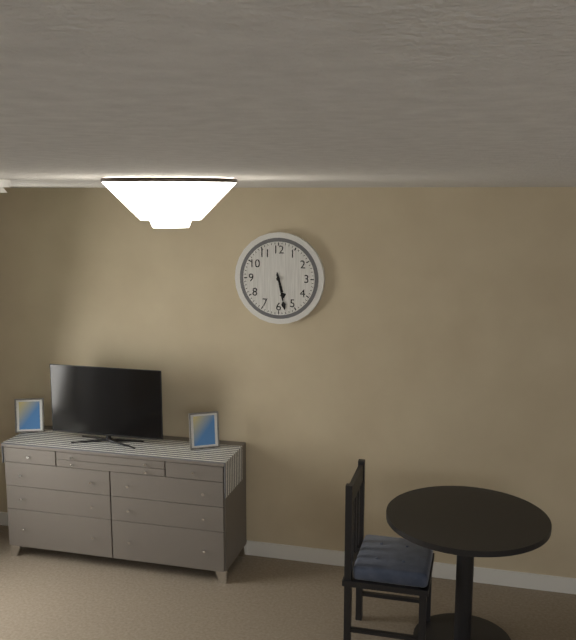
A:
5.28
